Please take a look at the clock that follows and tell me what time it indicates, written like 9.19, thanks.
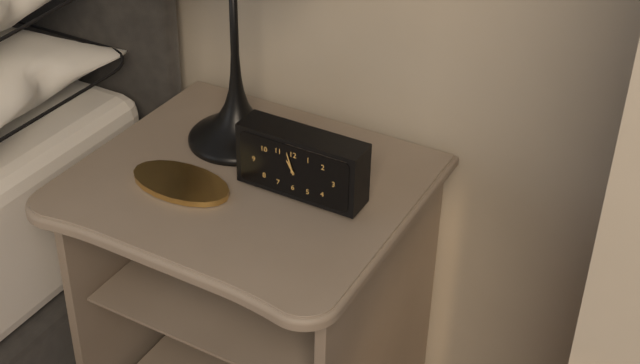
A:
10.57
